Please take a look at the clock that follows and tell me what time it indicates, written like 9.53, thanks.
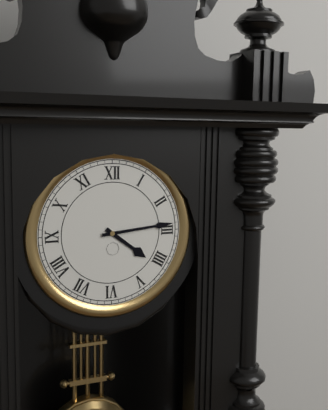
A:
4.14
